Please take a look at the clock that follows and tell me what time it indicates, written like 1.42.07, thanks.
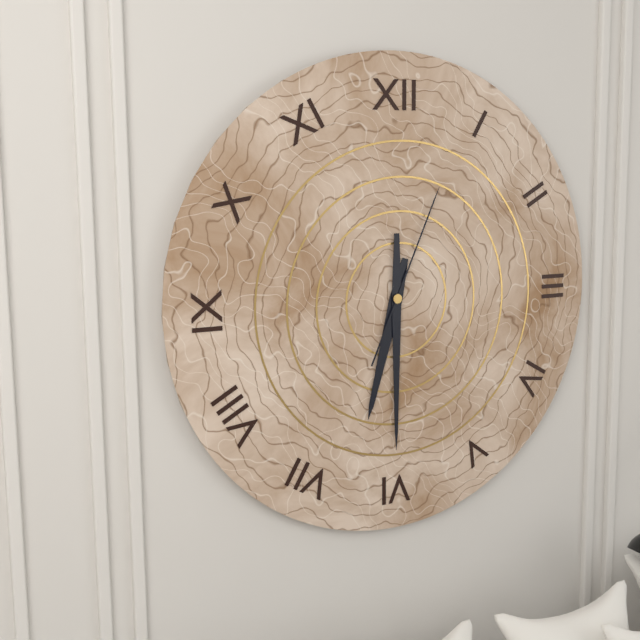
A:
6.30.04
